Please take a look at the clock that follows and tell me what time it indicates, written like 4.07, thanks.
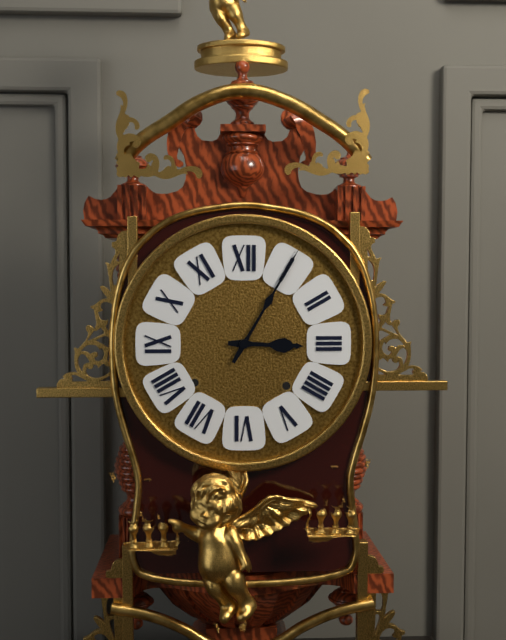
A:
3.05
